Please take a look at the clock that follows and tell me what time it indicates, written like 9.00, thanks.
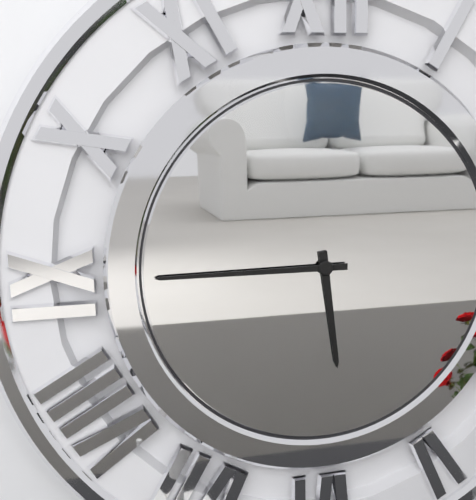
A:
5.45
